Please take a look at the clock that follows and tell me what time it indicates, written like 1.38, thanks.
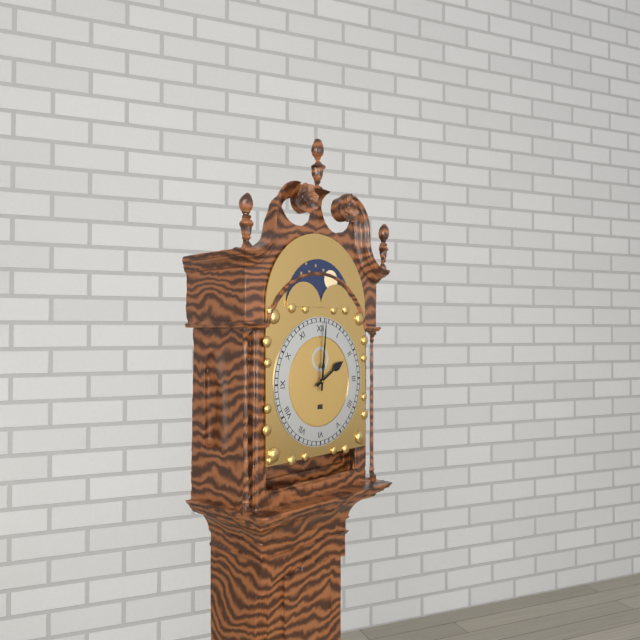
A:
2.01
